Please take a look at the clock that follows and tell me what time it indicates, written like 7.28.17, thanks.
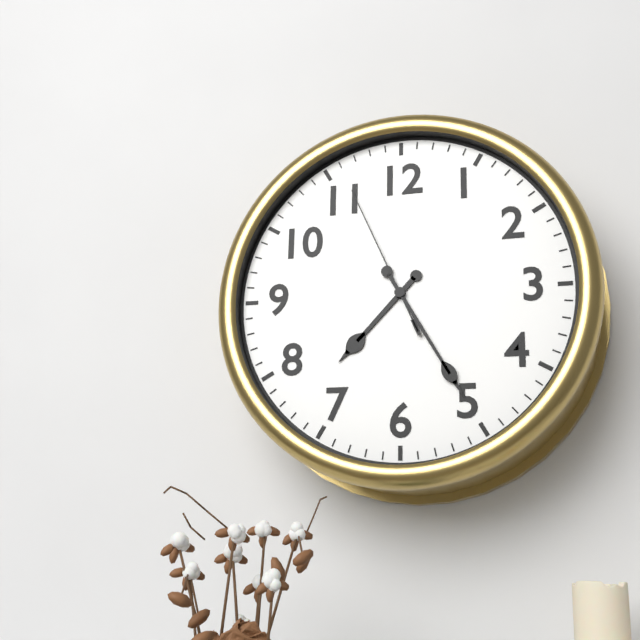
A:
7.25.56
